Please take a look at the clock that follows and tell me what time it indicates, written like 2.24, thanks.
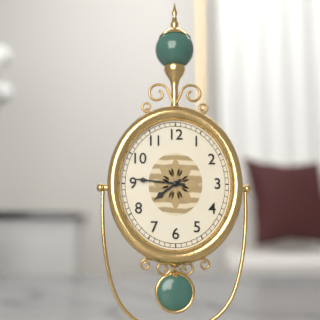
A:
7.46
